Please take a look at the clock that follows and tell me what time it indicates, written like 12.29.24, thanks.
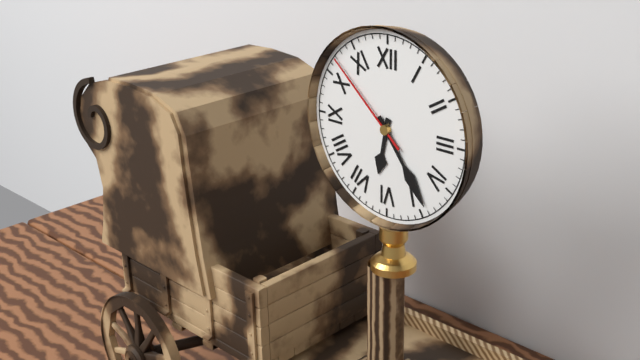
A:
6.24.52
